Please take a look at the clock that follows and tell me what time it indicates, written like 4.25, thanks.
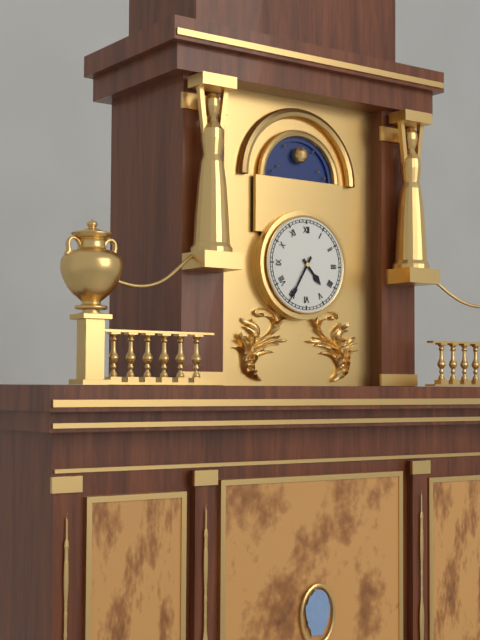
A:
4.35
